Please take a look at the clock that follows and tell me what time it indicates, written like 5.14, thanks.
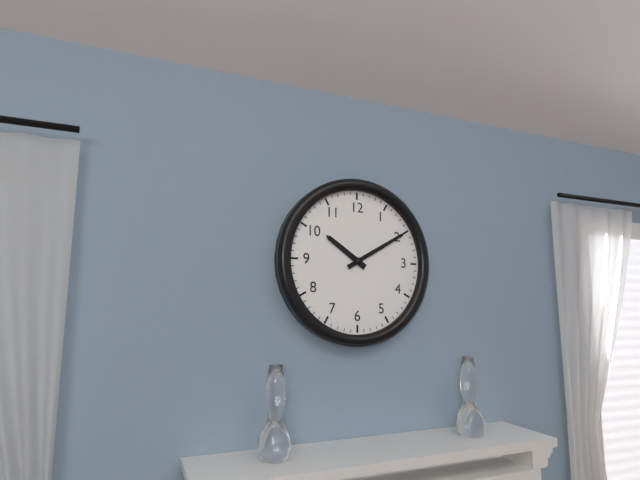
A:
10.10
